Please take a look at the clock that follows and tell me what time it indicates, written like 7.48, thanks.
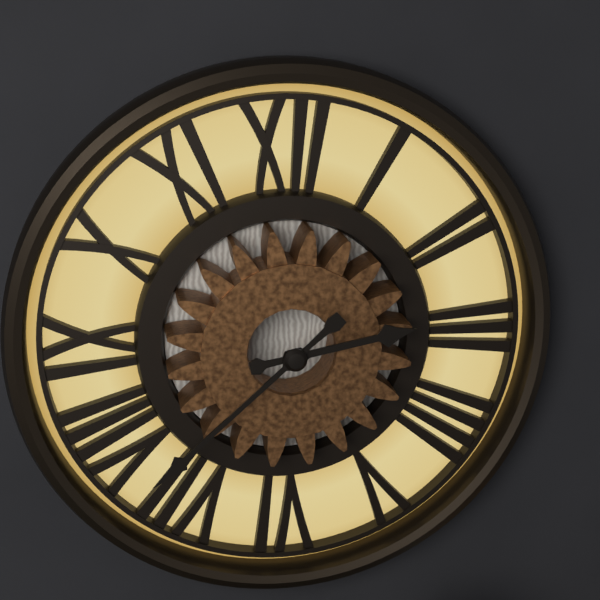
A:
2.38
